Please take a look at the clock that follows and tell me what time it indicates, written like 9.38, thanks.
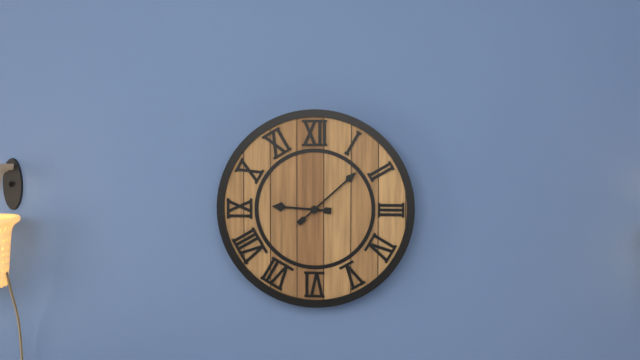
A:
9.08
